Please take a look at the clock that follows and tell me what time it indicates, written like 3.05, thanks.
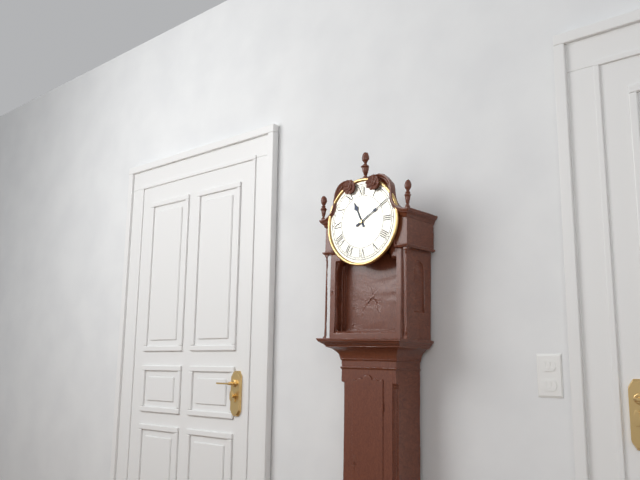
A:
11.10
